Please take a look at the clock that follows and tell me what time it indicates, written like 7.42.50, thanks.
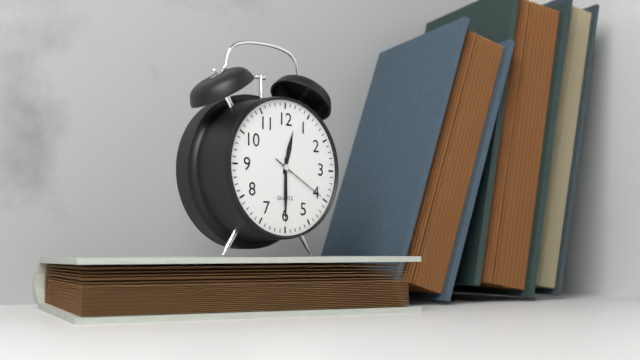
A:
12.30.20
